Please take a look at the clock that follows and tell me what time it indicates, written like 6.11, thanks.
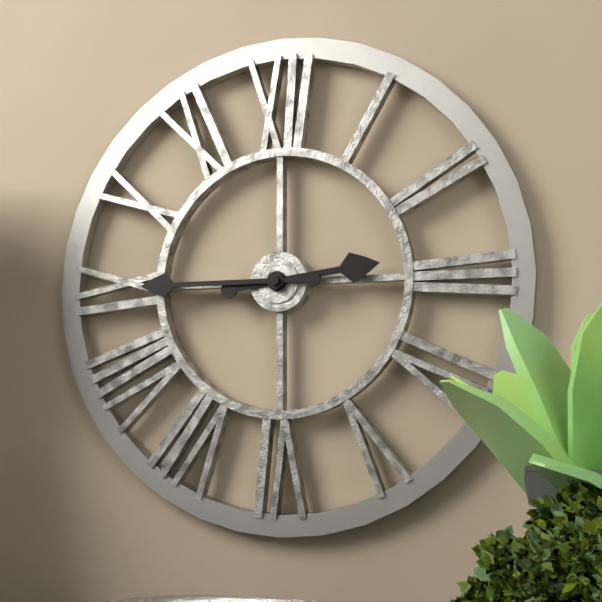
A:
2.45
